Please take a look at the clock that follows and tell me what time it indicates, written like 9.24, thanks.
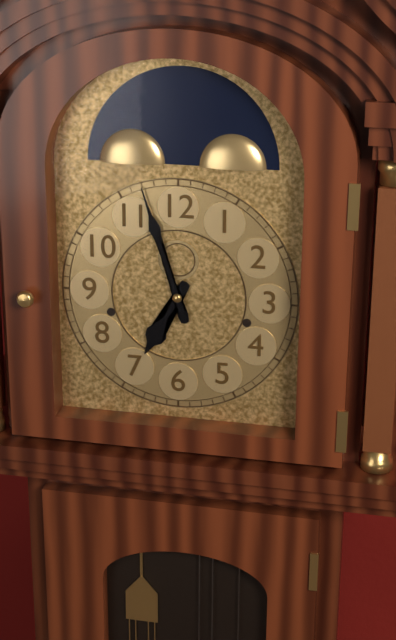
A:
6.57
